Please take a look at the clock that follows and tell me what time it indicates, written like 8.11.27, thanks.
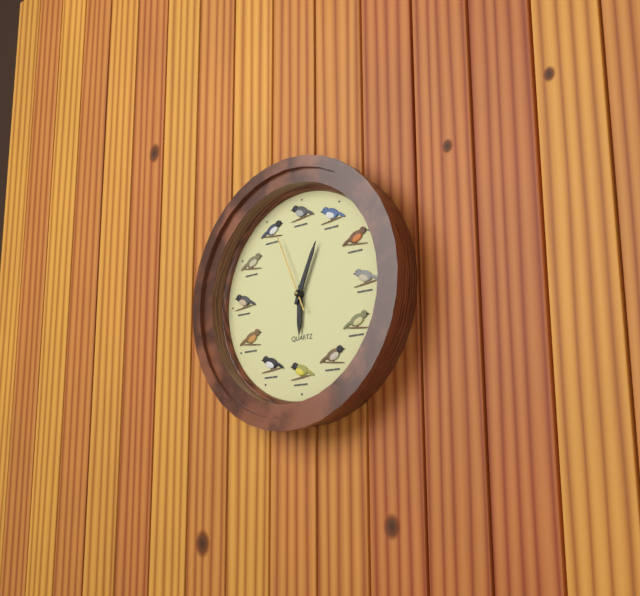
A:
6.04.56
